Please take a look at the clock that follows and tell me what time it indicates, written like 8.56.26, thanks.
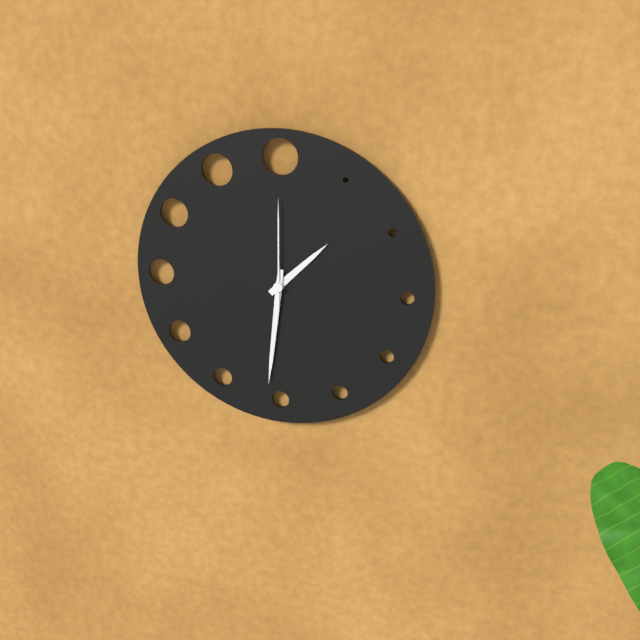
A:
1.31.00
